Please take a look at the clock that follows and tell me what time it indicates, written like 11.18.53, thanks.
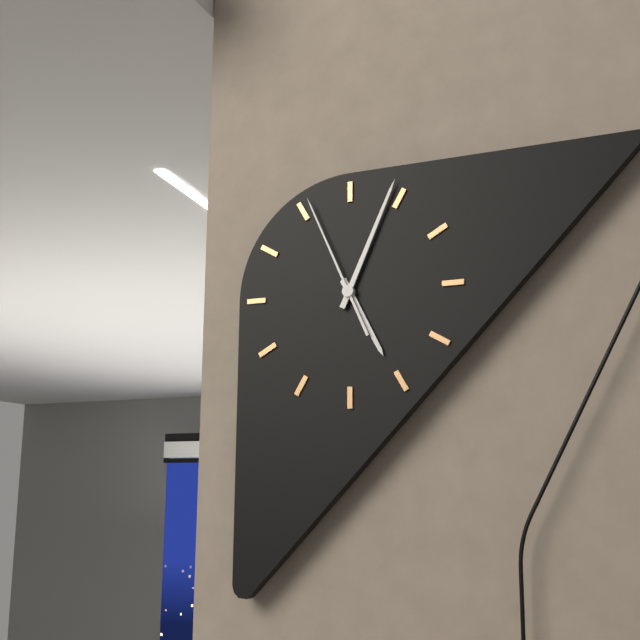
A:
5.04.56
